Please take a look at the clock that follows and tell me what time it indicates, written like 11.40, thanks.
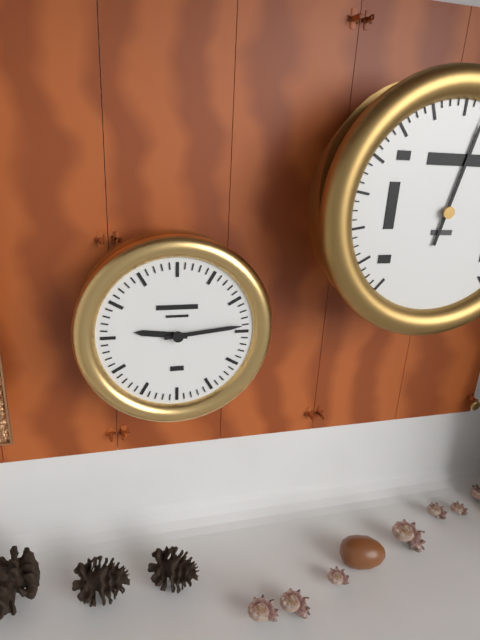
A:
9.14
